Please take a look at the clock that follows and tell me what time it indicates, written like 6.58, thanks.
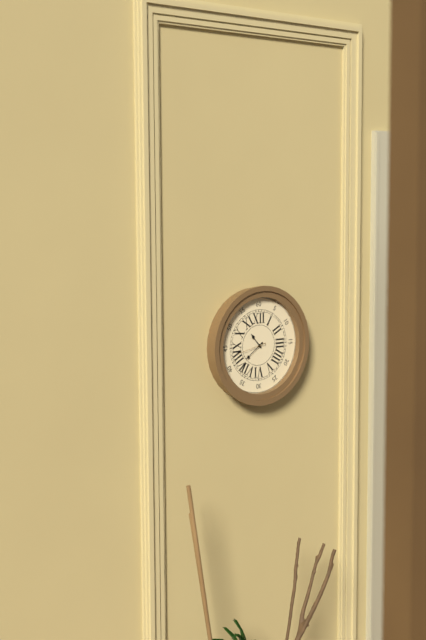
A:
10.39
